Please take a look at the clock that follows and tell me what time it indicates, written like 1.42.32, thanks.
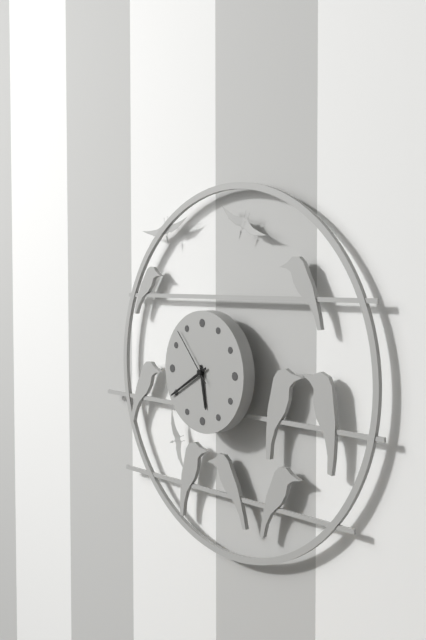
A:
5.40.53
